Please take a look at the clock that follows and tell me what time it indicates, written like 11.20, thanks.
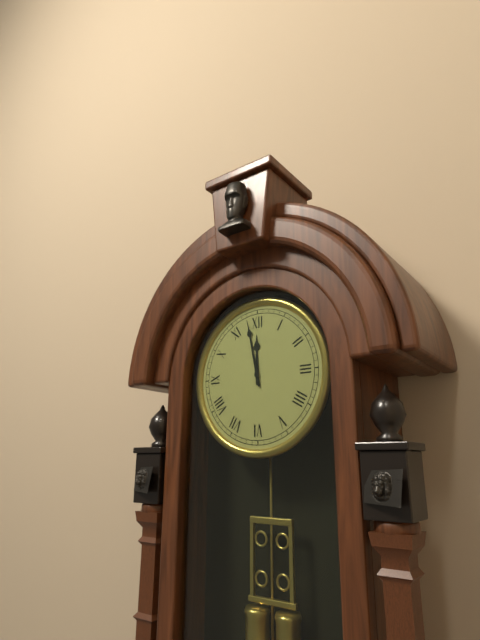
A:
11.58
